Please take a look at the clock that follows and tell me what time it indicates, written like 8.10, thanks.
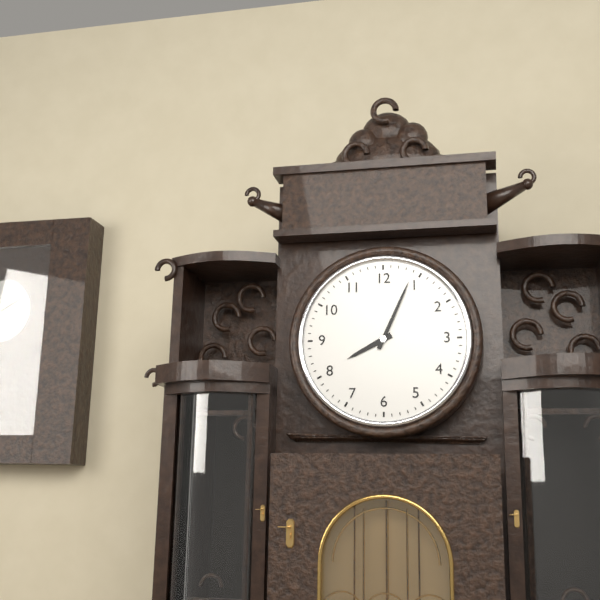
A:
8.04
